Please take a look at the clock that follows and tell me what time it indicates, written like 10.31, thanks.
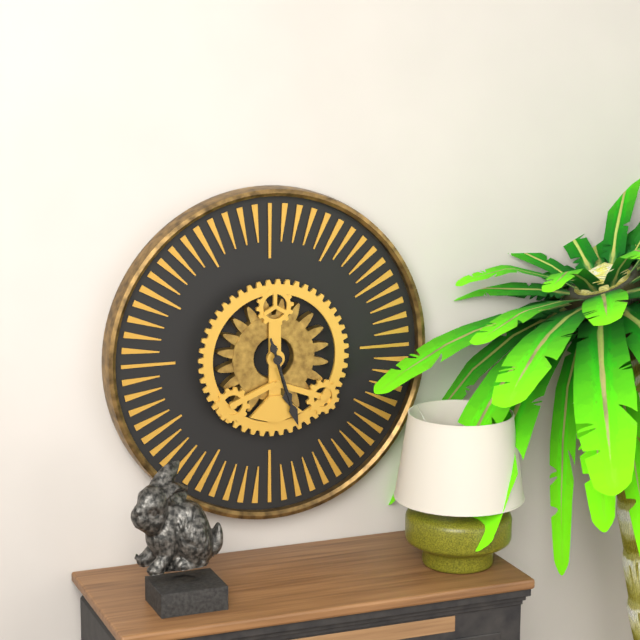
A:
5.27
